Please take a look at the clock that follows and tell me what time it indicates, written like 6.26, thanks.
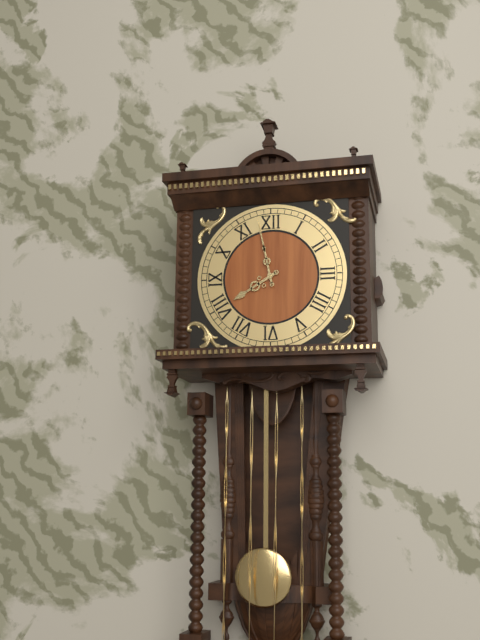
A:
7.58
